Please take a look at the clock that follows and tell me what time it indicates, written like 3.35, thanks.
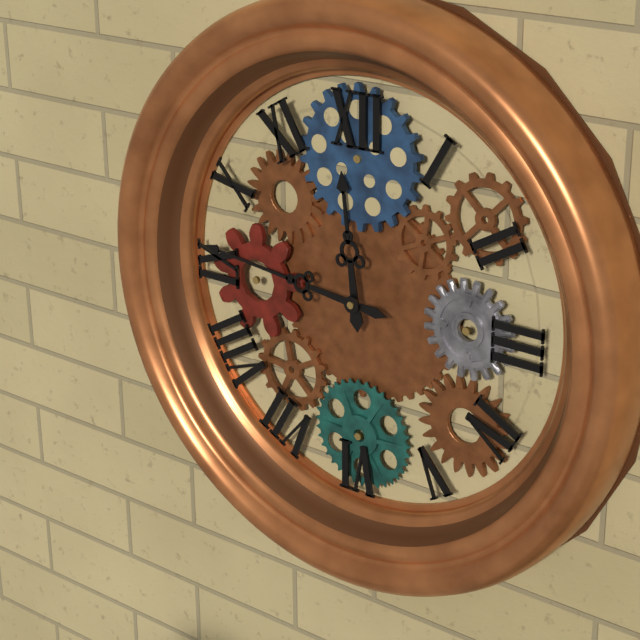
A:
11.46
